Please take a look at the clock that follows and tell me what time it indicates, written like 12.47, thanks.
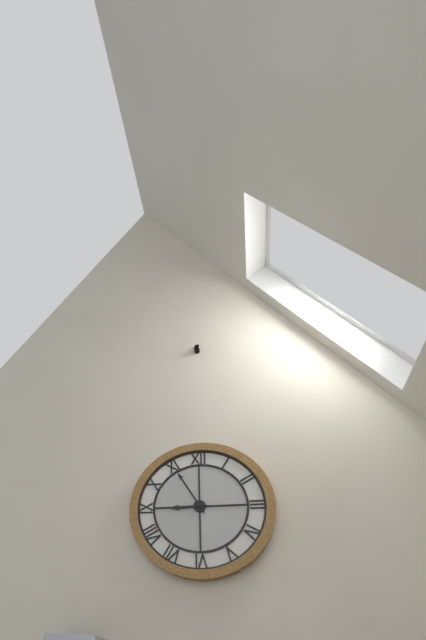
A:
8.55
